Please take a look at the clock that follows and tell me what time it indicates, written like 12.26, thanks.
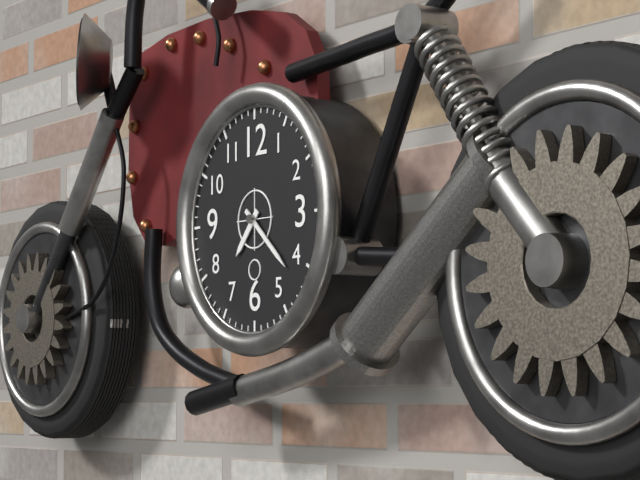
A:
7.22
